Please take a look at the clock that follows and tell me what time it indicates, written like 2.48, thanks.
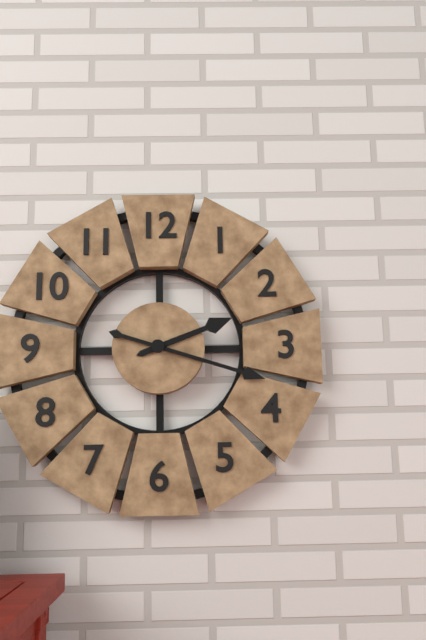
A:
2.18
